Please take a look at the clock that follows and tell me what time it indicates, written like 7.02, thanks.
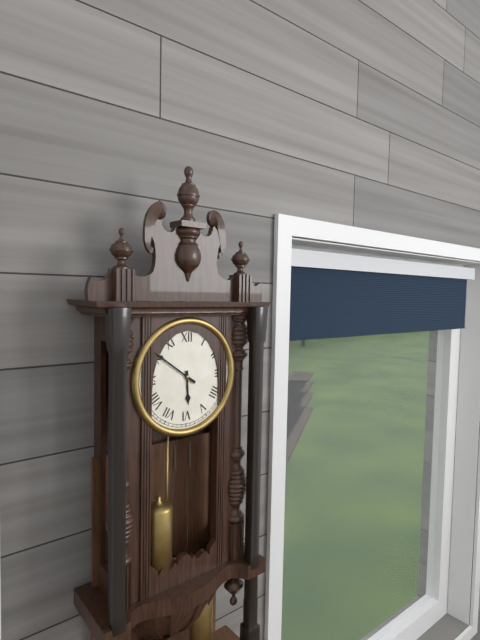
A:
5.51
